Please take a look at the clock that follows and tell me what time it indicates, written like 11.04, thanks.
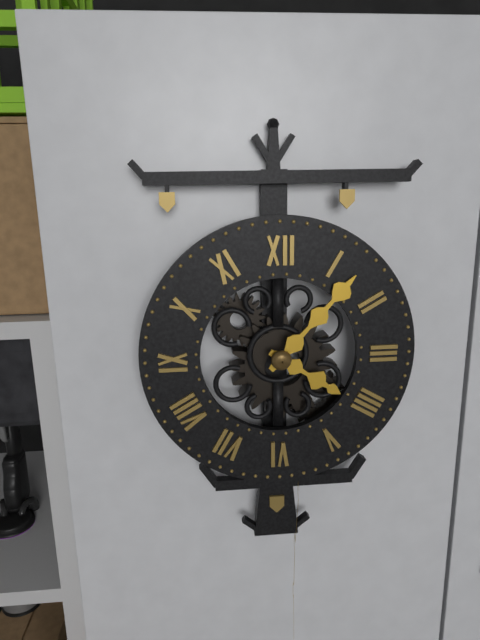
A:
4.07
